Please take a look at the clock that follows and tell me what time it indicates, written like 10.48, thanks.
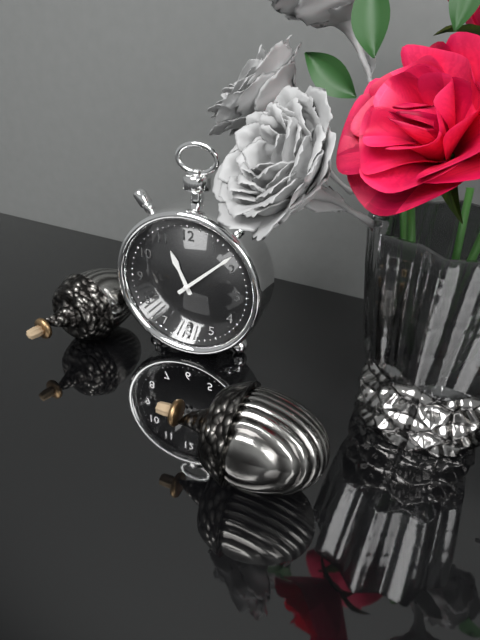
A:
11.08
